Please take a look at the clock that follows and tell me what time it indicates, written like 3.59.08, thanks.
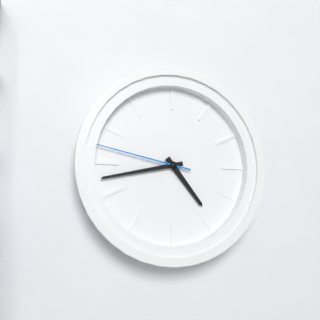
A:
4.43.47
